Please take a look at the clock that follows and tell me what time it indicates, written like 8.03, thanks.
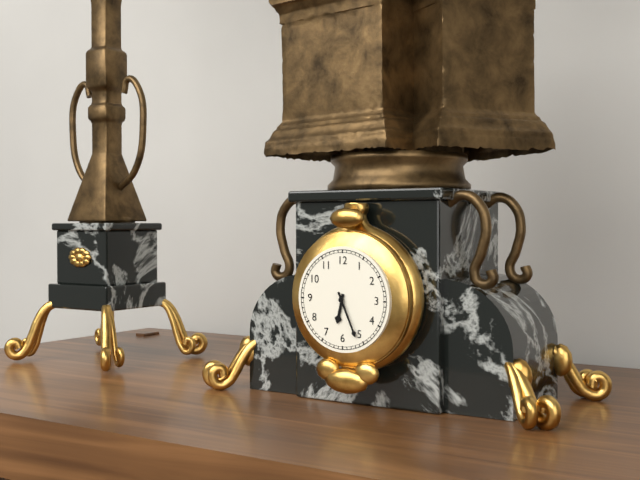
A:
6.26
